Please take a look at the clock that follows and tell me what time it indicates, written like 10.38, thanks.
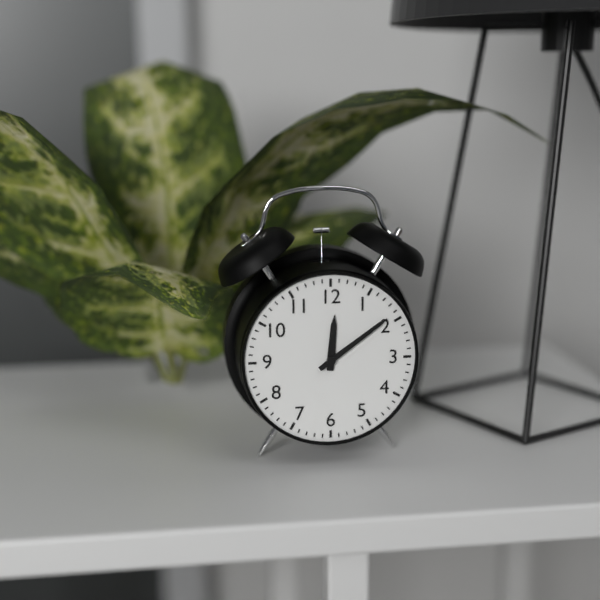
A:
12.09
